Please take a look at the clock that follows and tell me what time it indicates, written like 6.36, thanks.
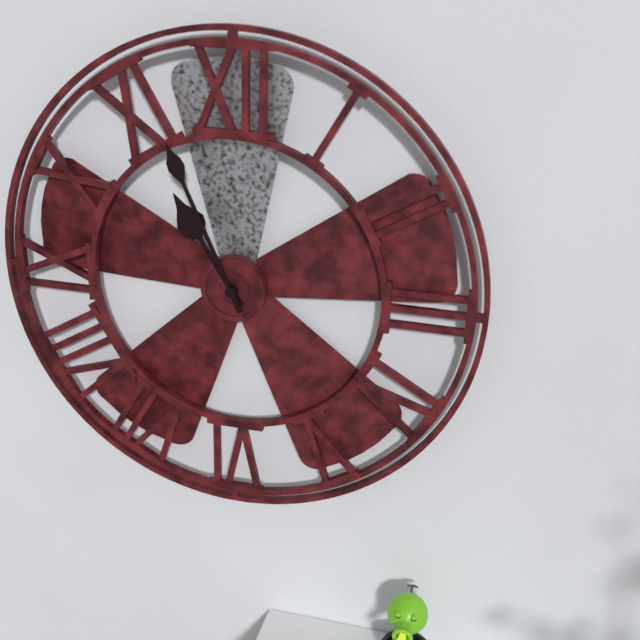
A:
10.56
